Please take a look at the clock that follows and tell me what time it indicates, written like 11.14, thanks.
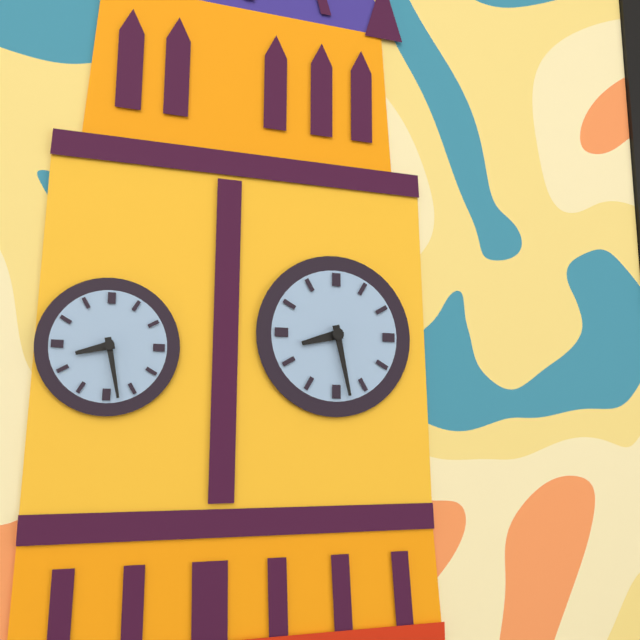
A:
8.28
